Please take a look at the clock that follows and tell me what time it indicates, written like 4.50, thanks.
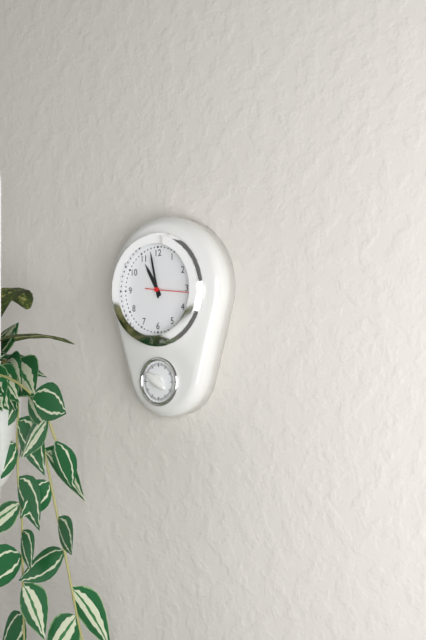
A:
10.58
